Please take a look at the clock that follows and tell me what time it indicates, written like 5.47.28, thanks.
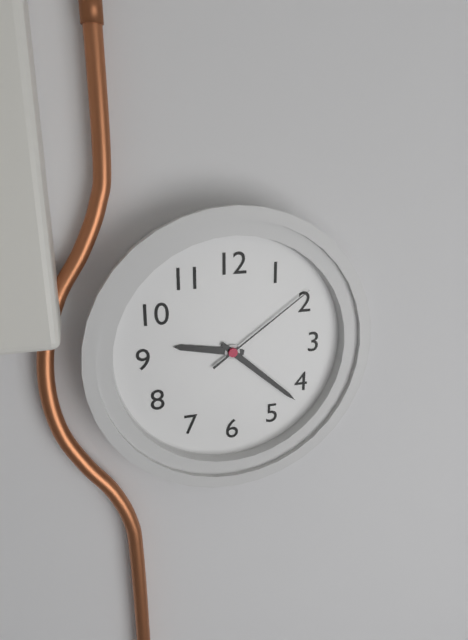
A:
9.22.09
